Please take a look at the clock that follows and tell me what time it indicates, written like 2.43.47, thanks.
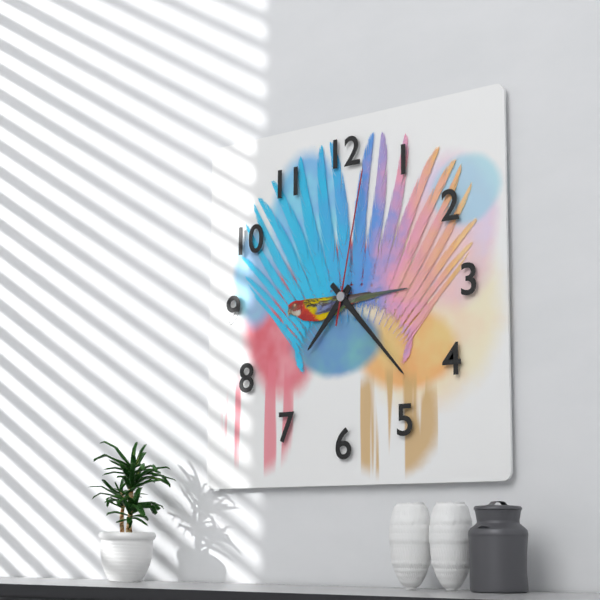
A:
7.23.02
